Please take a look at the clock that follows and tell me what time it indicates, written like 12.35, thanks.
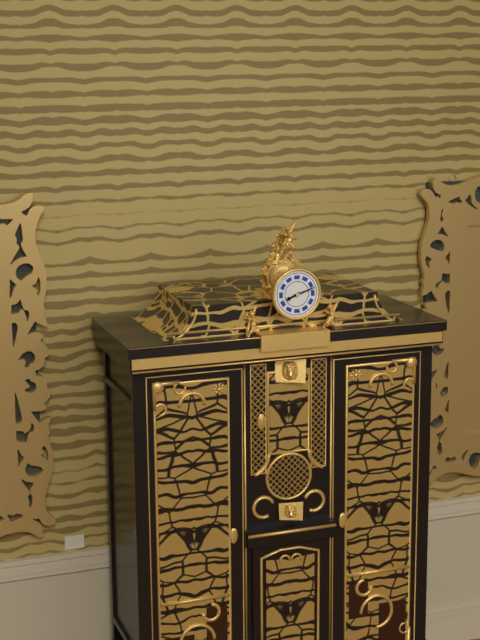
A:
8.12
